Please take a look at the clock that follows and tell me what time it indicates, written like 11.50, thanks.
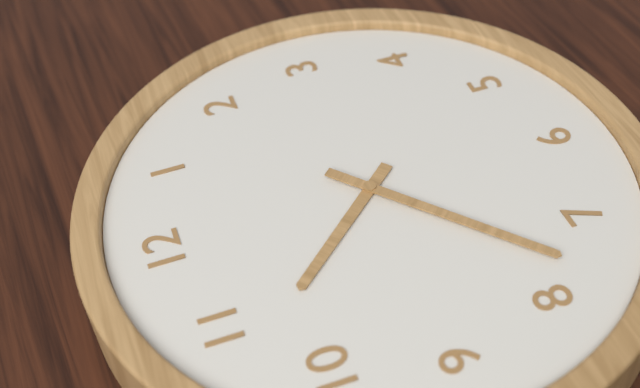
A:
10.38
